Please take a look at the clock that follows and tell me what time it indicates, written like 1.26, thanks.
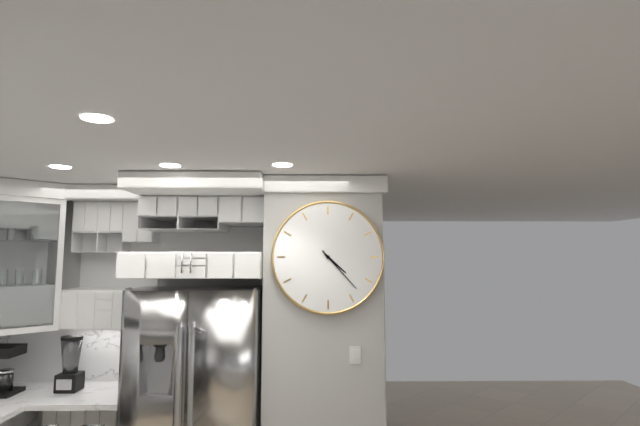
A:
4.23
